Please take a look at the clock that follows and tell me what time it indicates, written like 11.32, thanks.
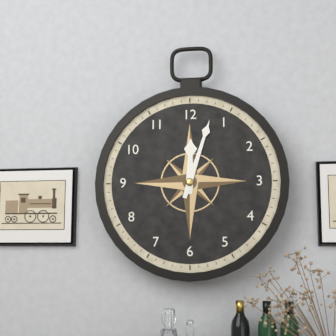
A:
12.03
